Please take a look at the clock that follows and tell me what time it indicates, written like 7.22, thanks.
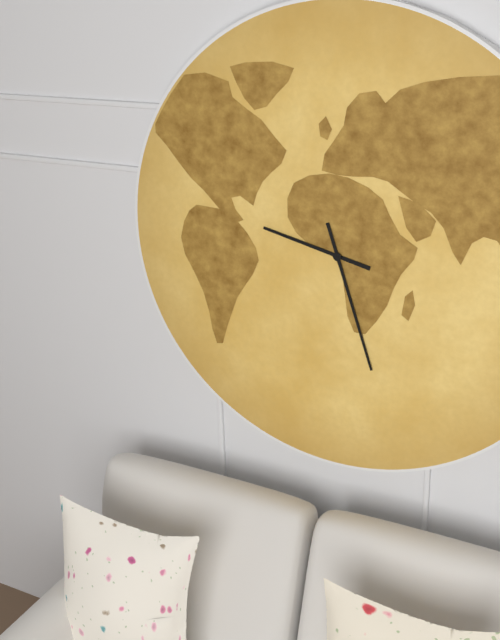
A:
9.27
